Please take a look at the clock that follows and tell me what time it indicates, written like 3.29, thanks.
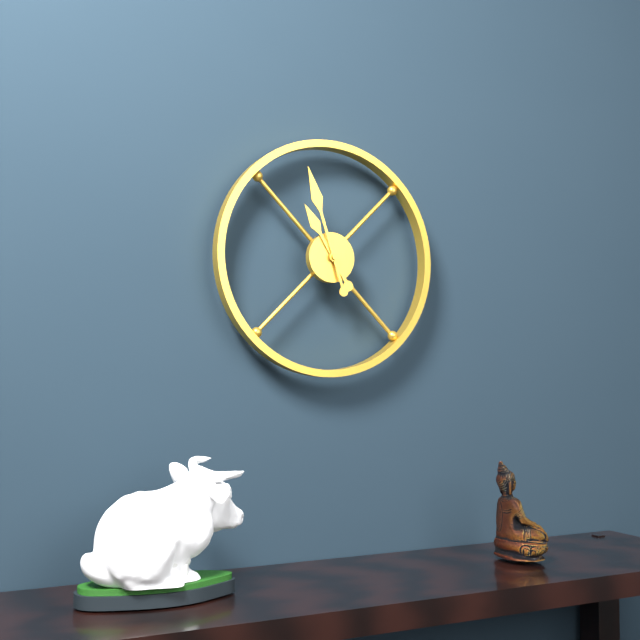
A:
10.57
